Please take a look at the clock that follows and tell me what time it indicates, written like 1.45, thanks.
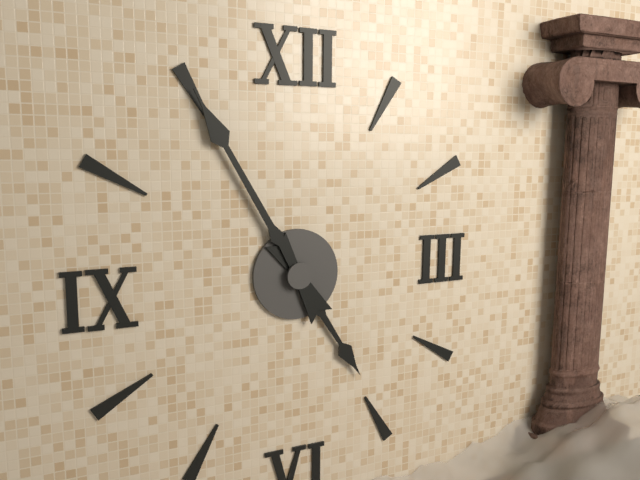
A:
4.55
